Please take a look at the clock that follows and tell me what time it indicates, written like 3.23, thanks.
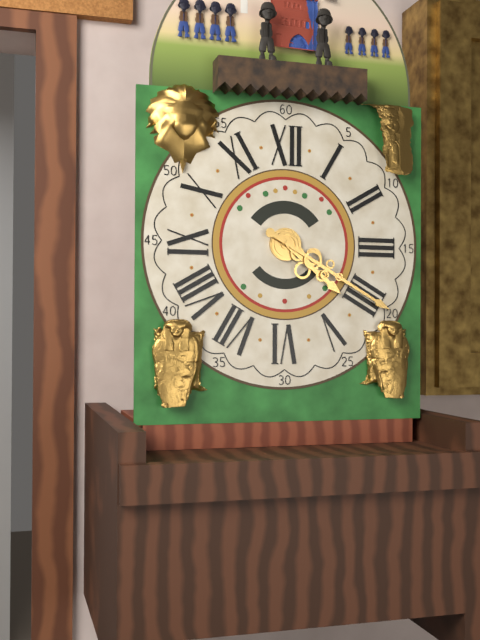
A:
4.20
